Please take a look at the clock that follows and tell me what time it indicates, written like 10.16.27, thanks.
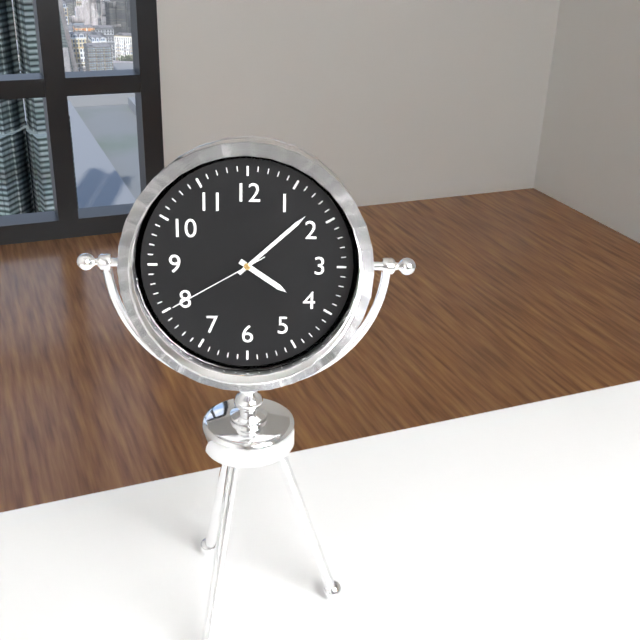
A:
4.08.40
